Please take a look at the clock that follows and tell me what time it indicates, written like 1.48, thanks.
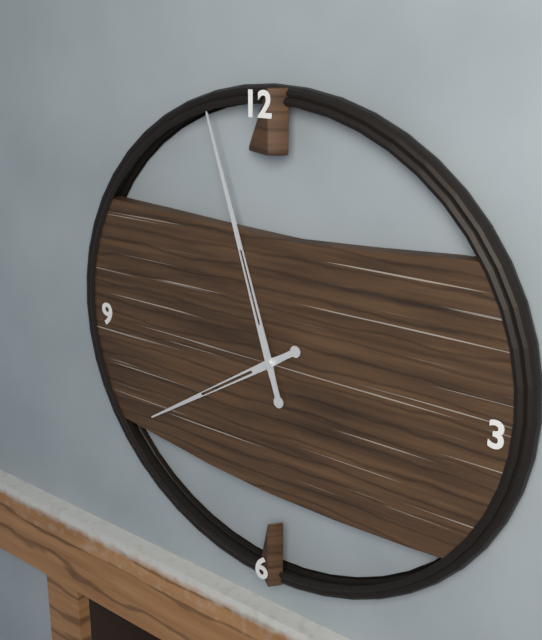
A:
7.57
